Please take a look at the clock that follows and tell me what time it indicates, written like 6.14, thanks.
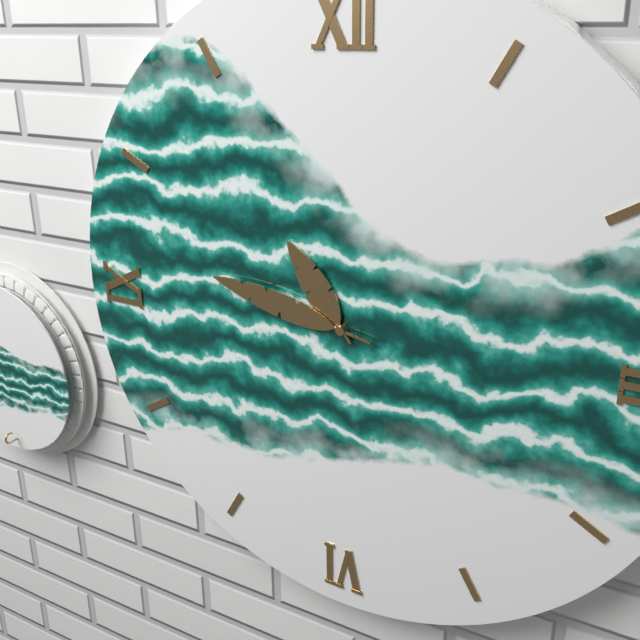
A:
10.47
